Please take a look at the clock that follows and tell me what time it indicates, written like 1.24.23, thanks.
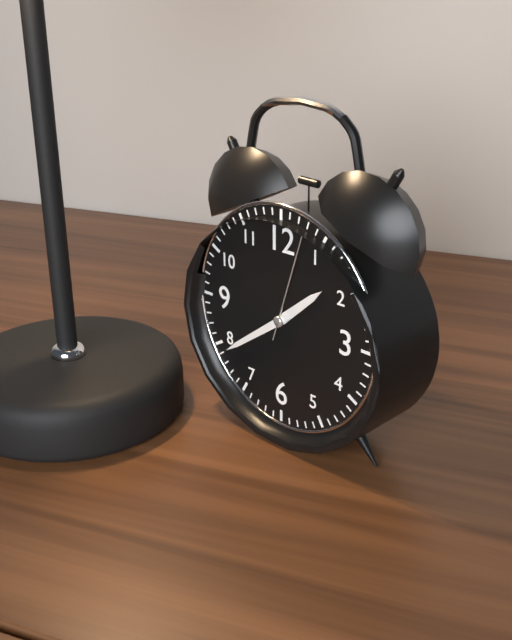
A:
1.39.03
